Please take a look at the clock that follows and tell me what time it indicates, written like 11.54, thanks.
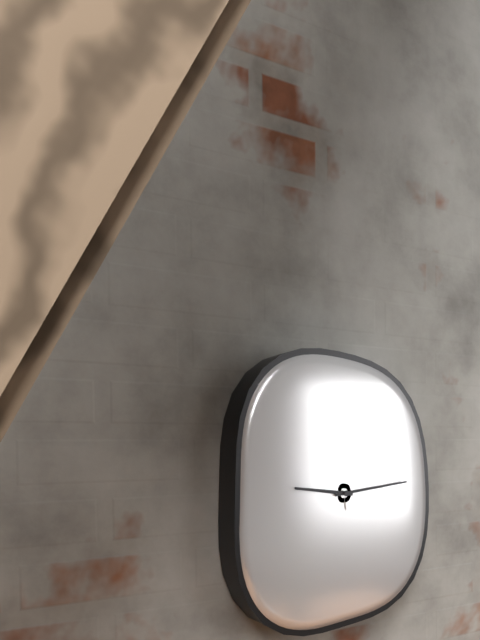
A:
9.14
